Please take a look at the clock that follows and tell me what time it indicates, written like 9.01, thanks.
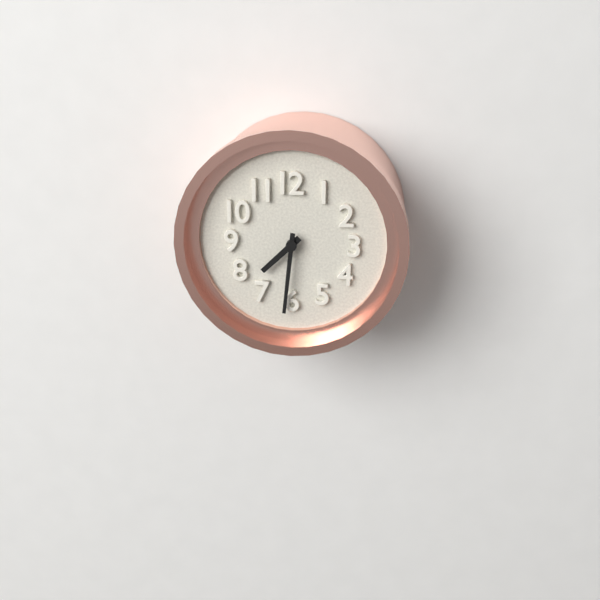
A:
7.31
